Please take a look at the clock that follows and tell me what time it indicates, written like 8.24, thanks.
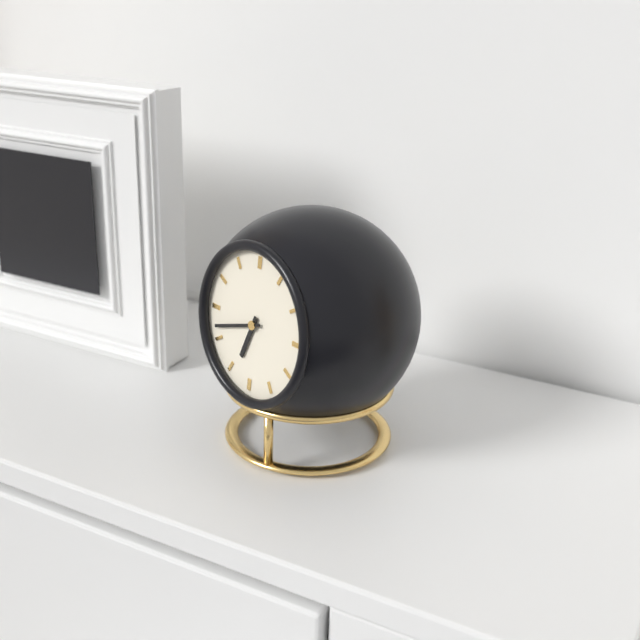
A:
6.42
